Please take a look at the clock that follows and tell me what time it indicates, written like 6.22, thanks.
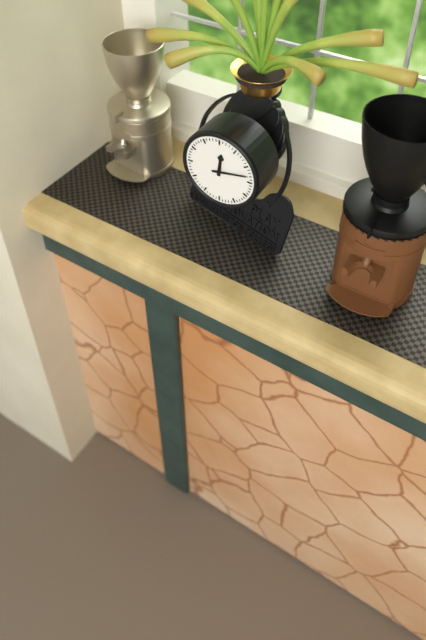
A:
12.13
